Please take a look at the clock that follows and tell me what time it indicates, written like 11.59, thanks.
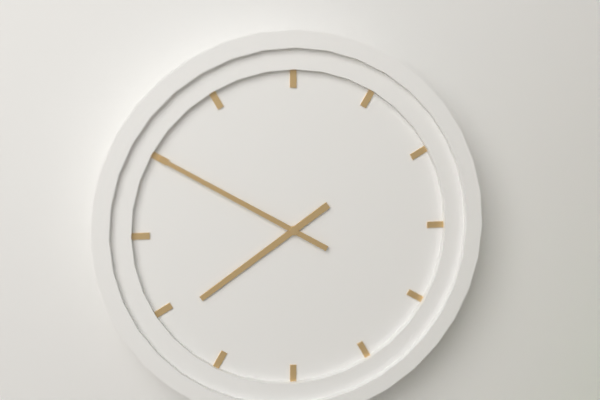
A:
7.50
